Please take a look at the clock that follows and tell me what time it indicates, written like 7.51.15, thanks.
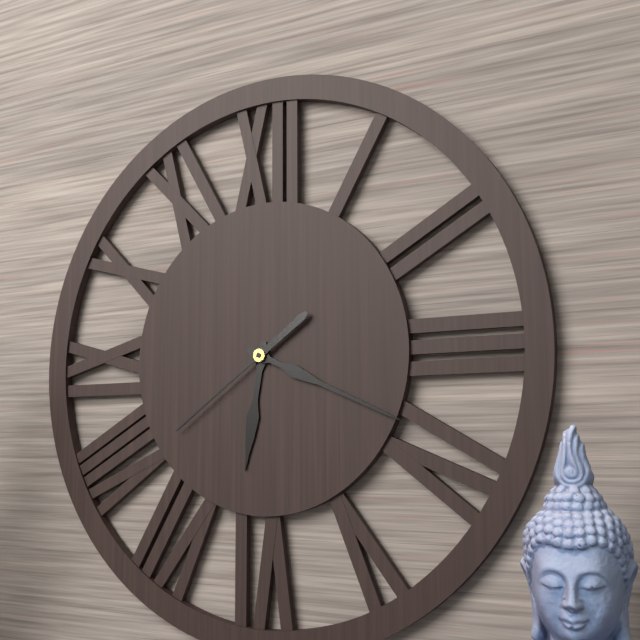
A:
6.19.39
